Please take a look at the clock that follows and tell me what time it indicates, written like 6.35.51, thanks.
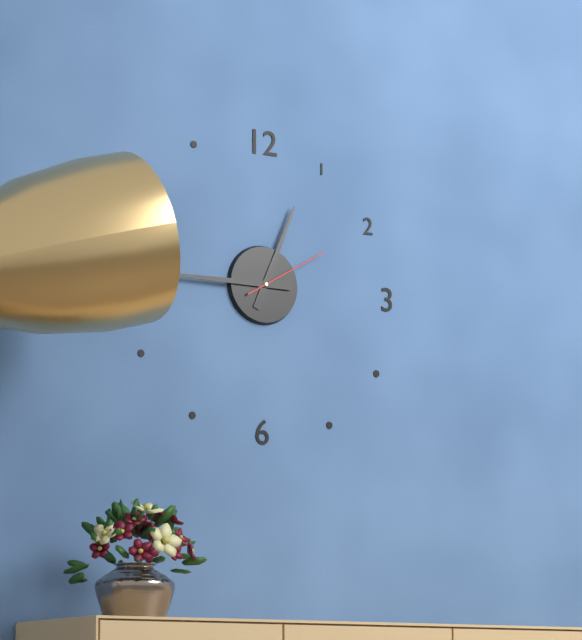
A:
12.45.10
